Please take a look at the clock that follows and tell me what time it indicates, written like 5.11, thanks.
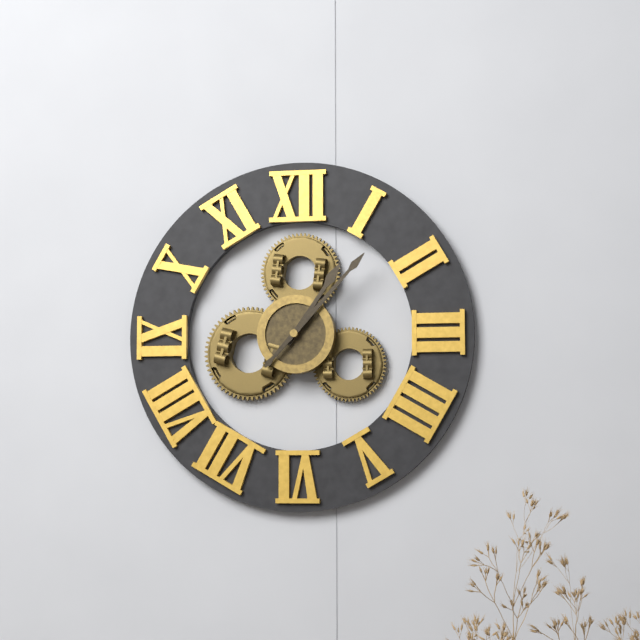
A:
1.07
